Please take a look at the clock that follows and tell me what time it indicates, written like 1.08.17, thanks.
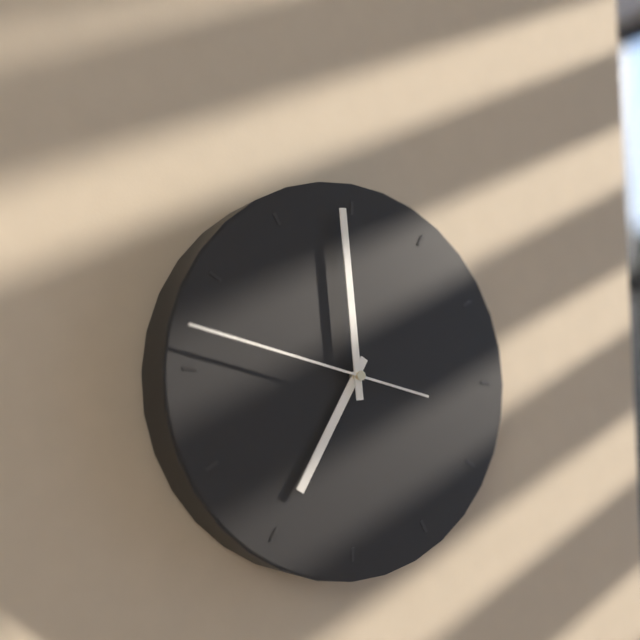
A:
6.59.47
